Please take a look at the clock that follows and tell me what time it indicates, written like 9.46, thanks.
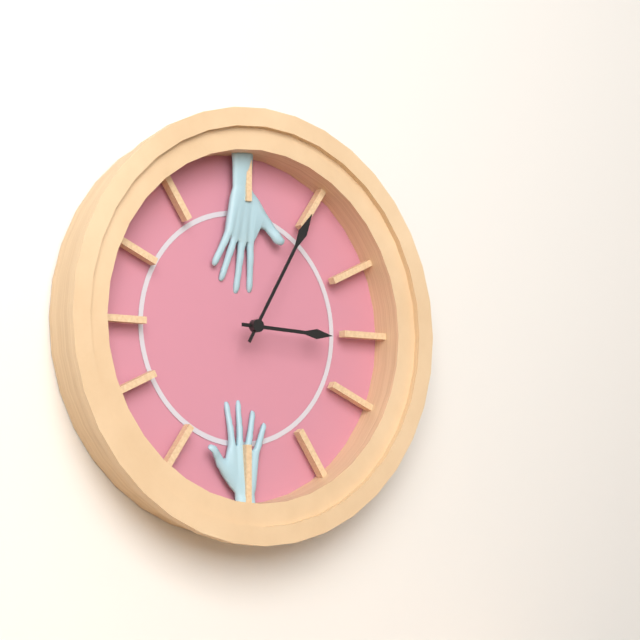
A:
3.05
